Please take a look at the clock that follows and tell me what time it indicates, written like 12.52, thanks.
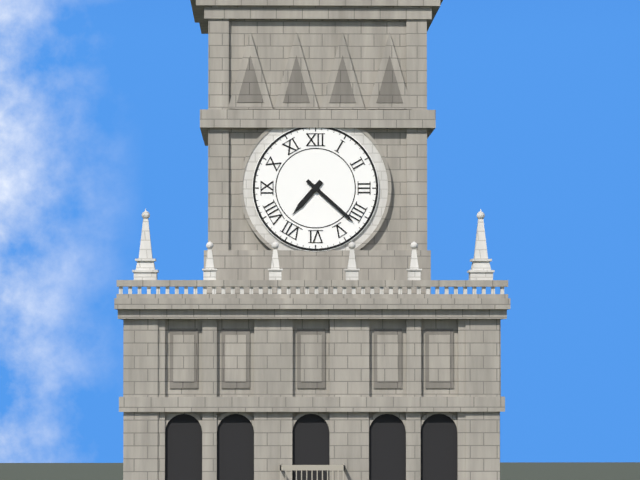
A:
7.22
